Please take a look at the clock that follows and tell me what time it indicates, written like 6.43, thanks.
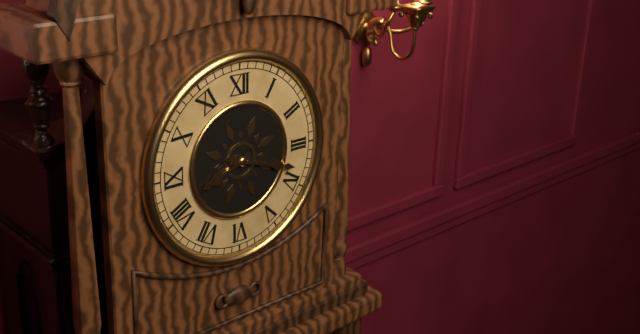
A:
8.18
